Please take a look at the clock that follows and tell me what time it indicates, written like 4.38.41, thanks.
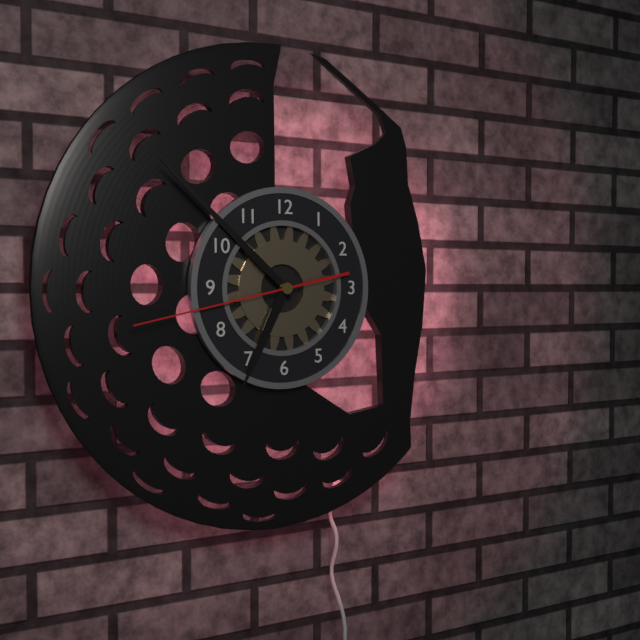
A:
6.52.43
